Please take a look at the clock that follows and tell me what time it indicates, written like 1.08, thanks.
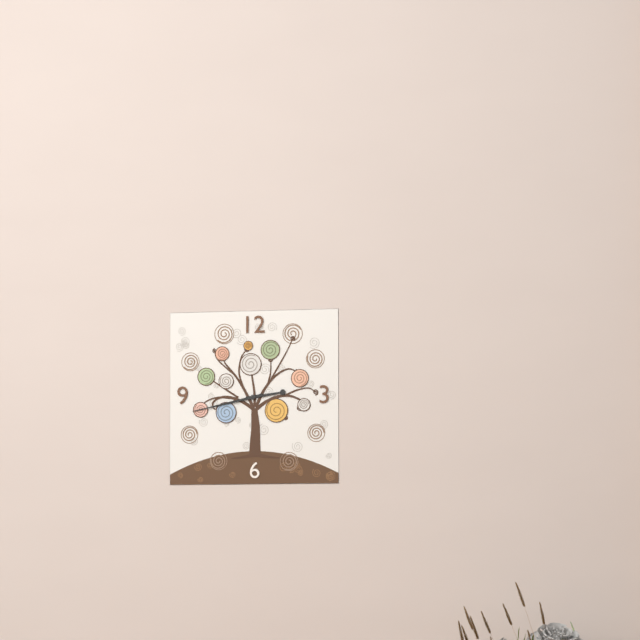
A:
2.43
